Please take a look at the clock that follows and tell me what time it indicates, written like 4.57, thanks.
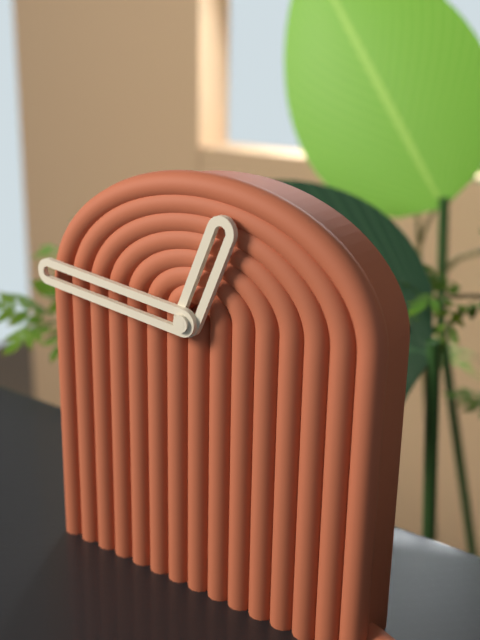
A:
12.46
